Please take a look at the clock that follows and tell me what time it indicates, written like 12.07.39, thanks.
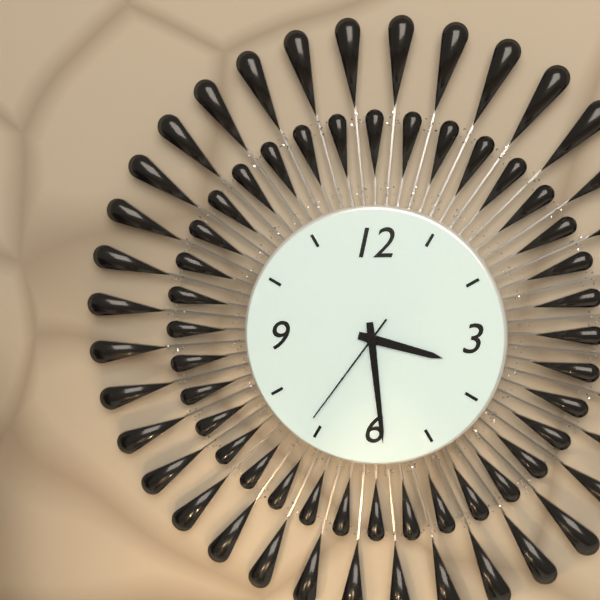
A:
3.29.36
